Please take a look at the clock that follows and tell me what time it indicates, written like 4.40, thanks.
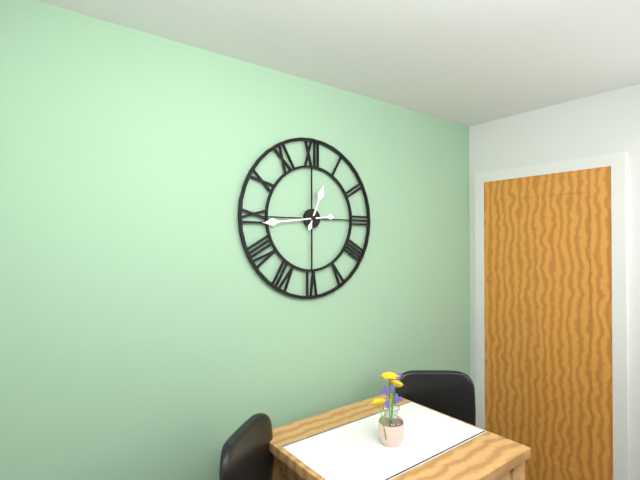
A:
12.44
